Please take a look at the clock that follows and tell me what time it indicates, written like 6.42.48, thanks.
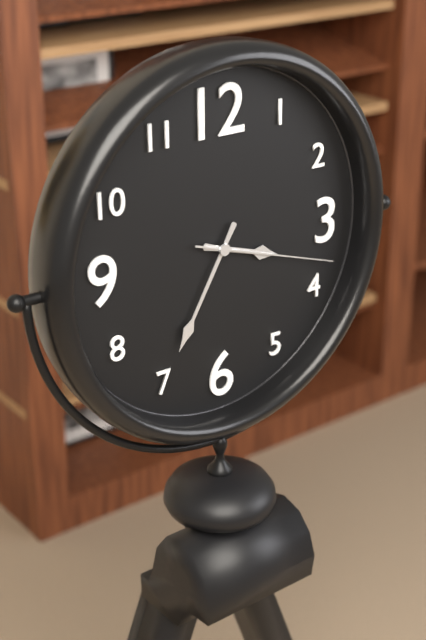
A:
3.35.18
